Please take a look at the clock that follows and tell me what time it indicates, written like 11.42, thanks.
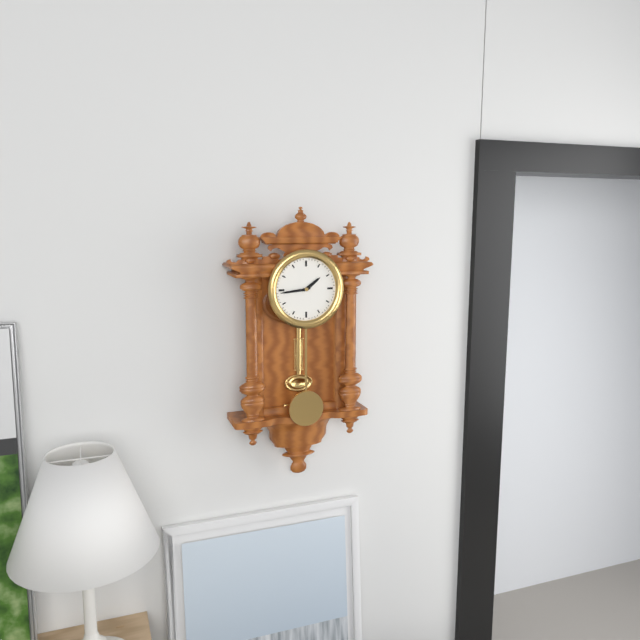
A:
1.44
